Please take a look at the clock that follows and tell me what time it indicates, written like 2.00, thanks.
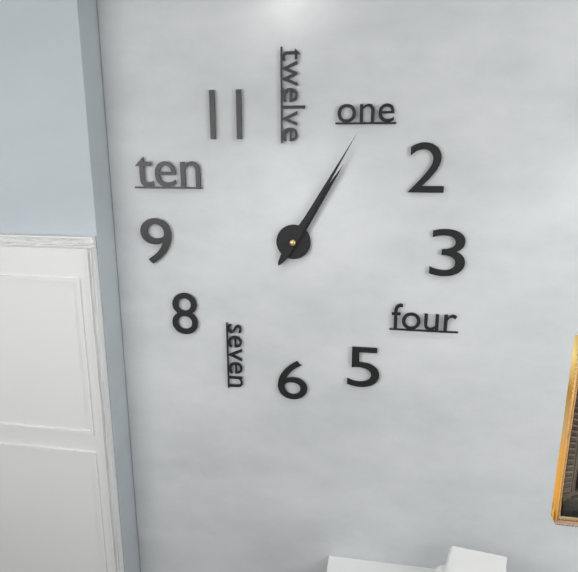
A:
1.05
